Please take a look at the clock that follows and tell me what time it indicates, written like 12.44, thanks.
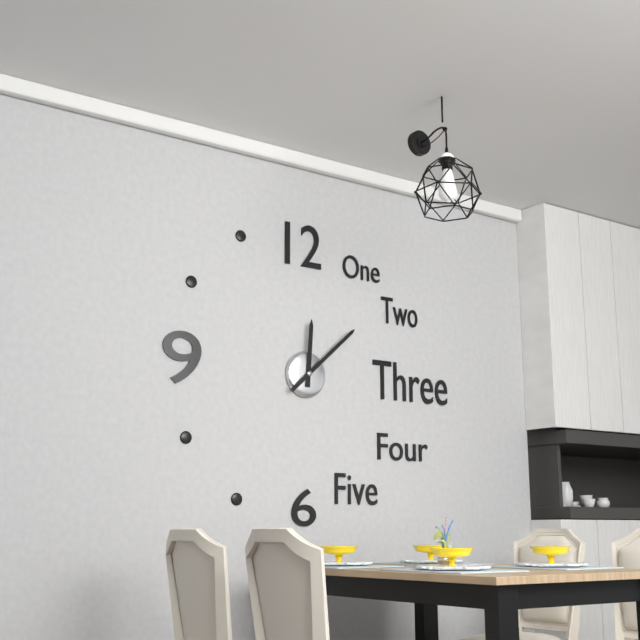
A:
12.08
